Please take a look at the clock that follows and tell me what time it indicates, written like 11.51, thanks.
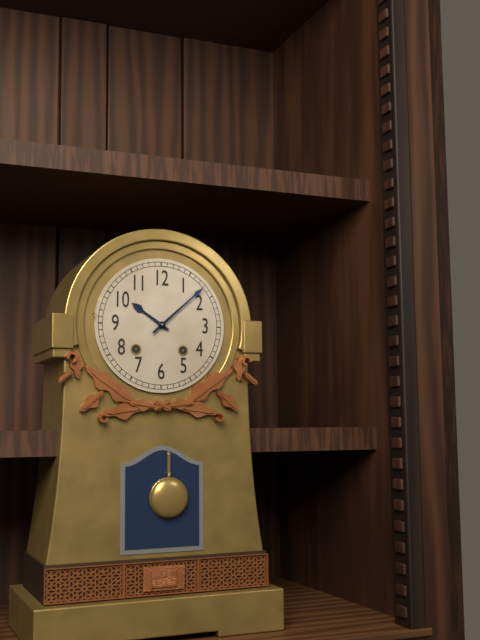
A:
10.08
